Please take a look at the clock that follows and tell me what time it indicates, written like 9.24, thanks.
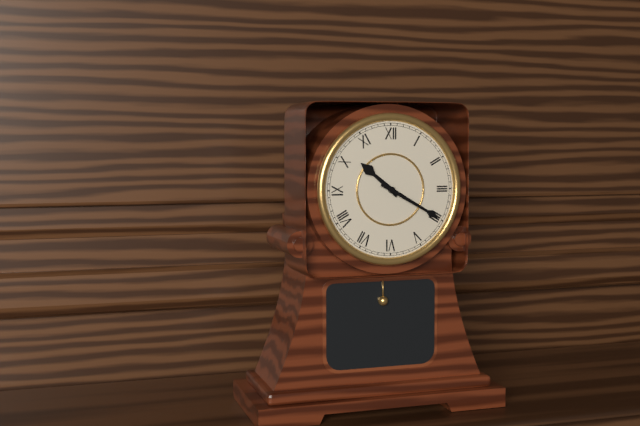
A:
10.20
